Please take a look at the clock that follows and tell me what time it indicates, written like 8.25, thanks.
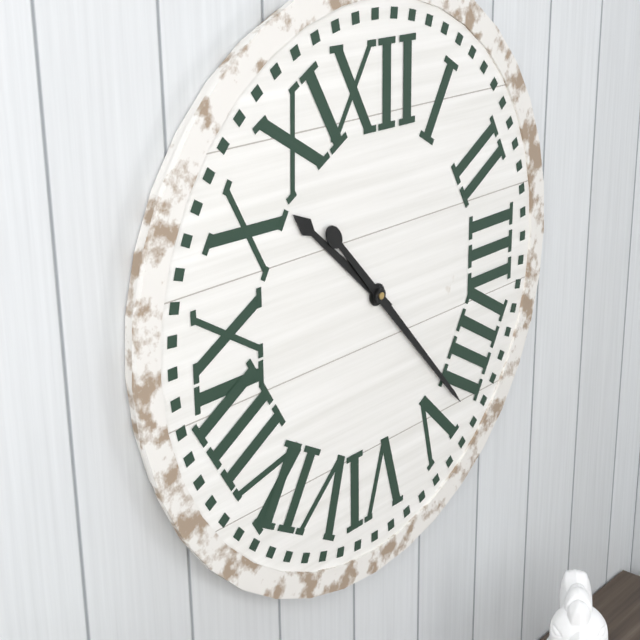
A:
10.23
